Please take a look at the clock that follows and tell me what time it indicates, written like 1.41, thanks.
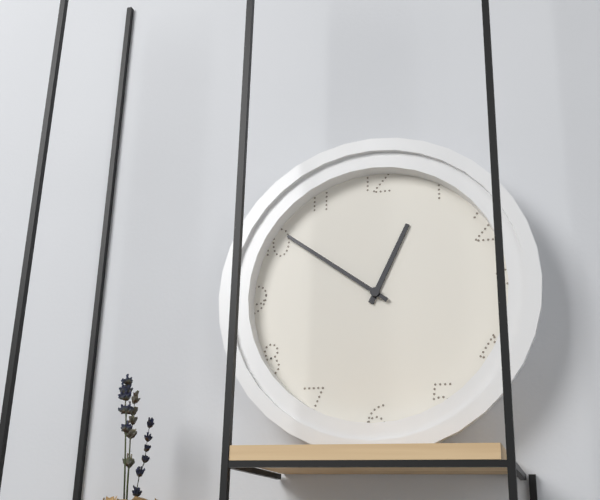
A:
12.51
